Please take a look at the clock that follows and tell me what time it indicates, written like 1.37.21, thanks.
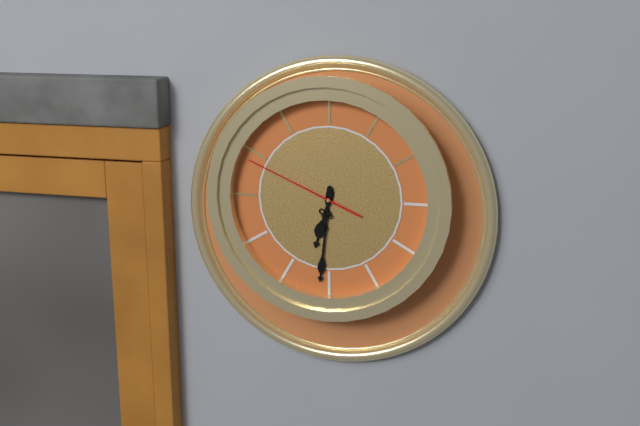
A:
6.31.49
